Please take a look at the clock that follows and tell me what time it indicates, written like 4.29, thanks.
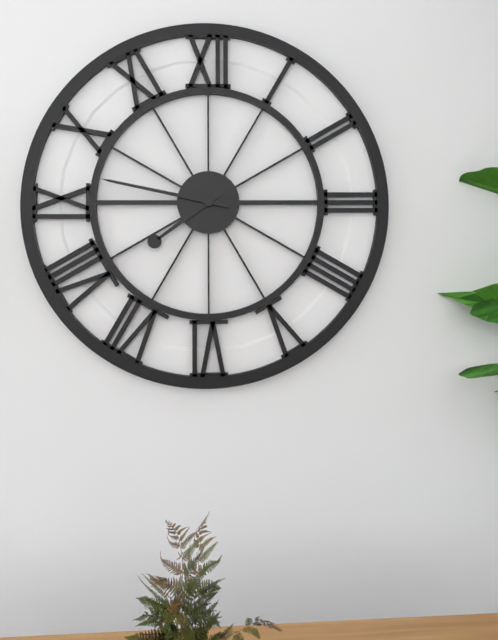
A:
7.47
